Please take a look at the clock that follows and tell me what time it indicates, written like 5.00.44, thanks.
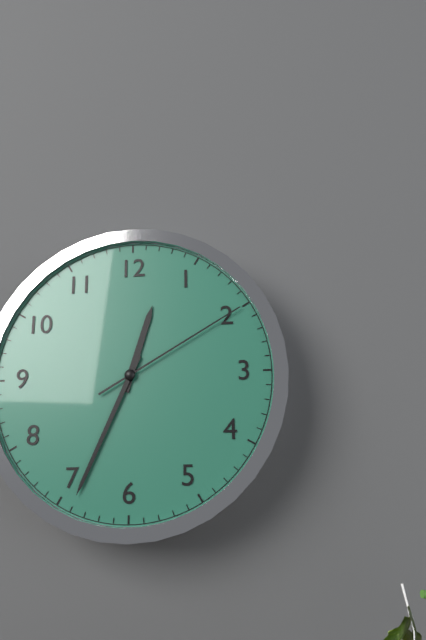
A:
12.34.10
